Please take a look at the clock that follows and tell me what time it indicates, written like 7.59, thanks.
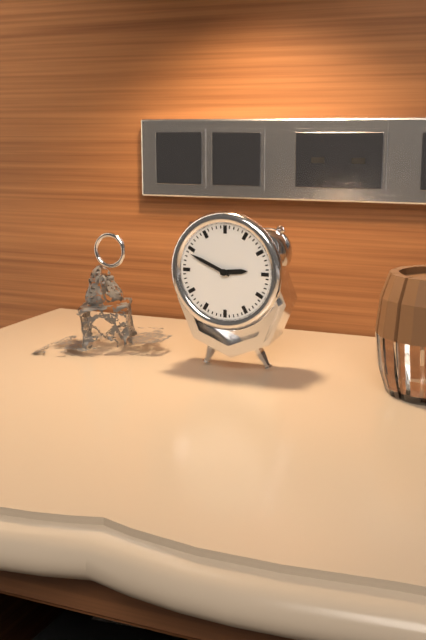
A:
2.49
